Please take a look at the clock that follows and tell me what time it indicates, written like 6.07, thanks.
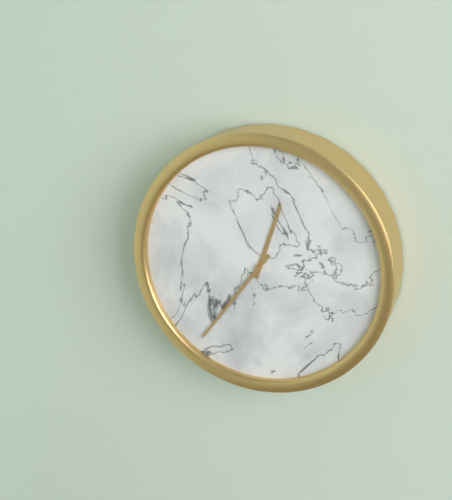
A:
12.36
